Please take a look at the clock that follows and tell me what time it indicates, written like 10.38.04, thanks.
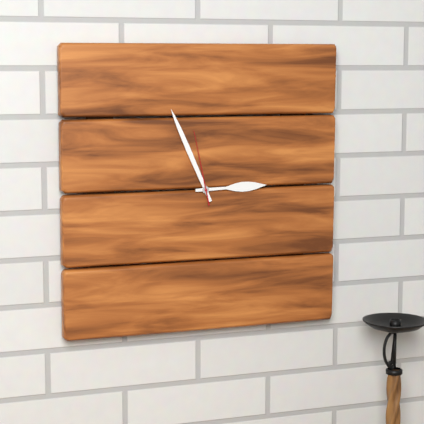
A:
2.56.58
